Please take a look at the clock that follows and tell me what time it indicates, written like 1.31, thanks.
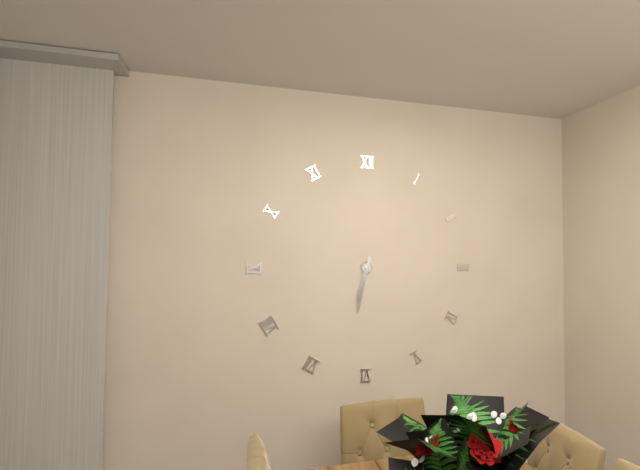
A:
6.32
